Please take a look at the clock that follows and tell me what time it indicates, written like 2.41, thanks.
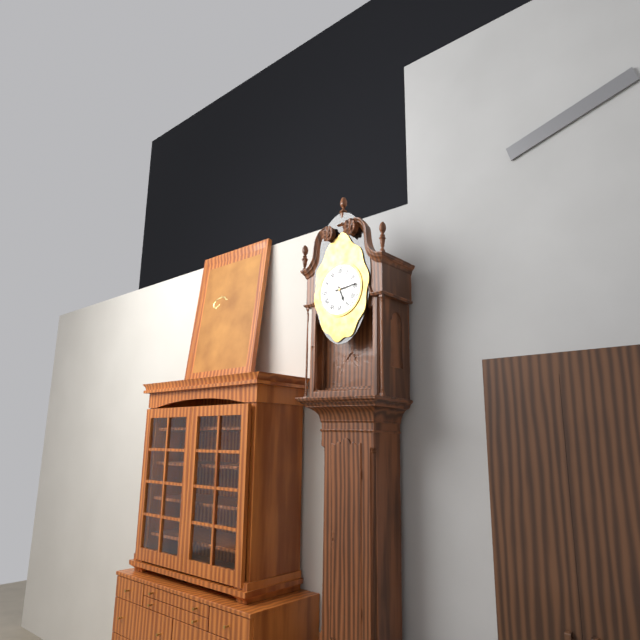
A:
5.14
